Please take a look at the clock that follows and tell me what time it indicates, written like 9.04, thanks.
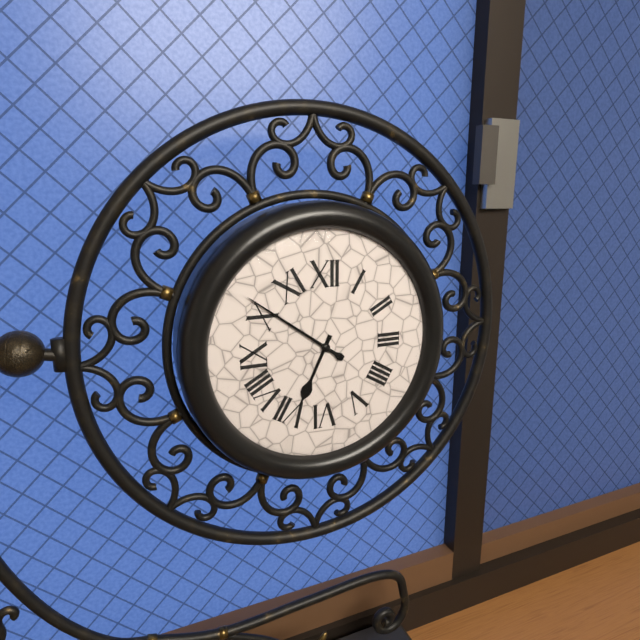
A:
6.51
